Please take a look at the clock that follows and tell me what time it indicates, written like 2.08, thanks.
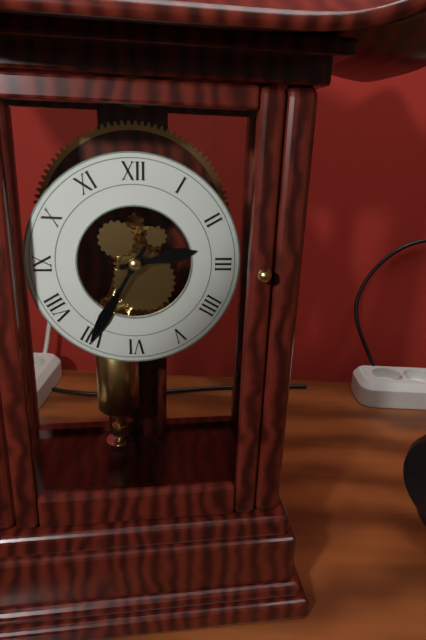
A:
2.35
